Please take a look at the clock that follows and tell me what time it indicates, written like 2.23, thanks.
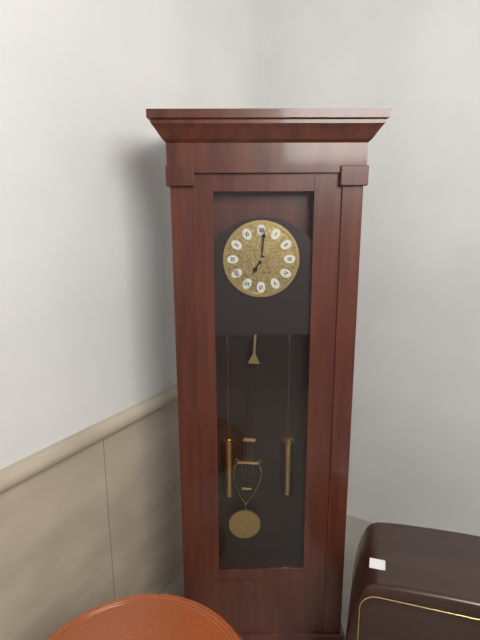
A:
7.01
